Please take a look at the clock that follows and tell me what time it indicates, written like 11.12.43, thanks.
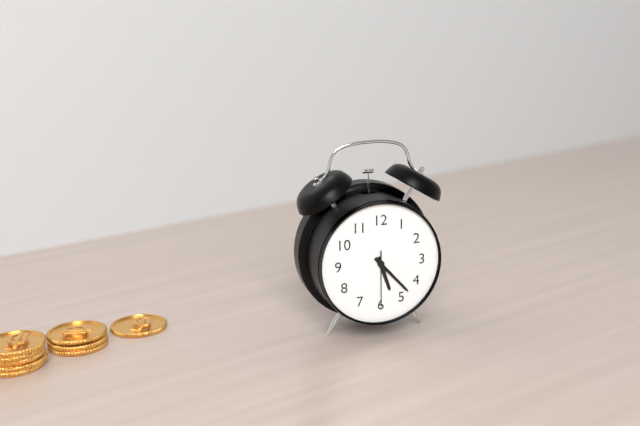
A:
5.23.30
